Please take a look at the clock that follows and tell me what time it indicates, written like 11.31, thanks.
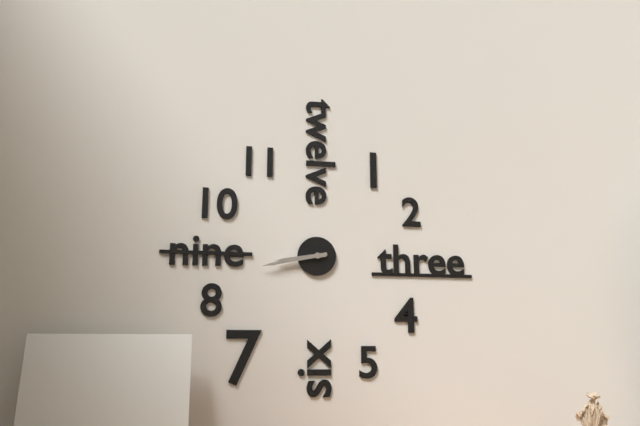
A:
8.43
